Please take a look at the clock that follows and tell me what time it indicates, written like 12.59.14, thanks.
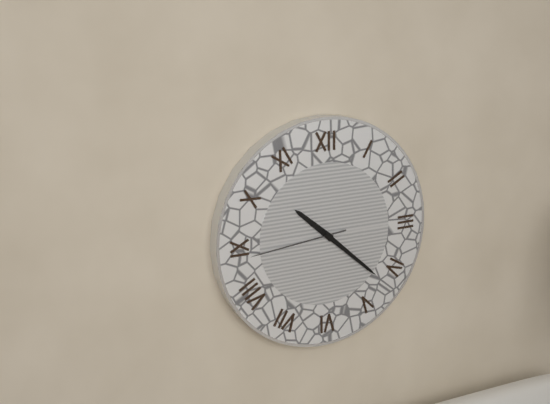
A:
10.22.44
